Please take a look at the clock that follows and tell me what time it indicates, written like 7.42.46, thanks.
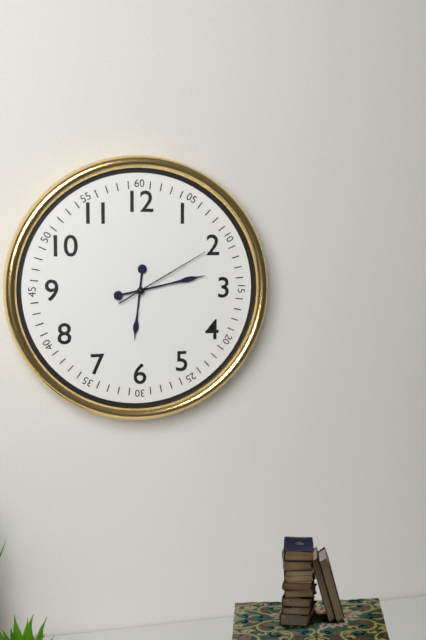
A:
6.13.10
